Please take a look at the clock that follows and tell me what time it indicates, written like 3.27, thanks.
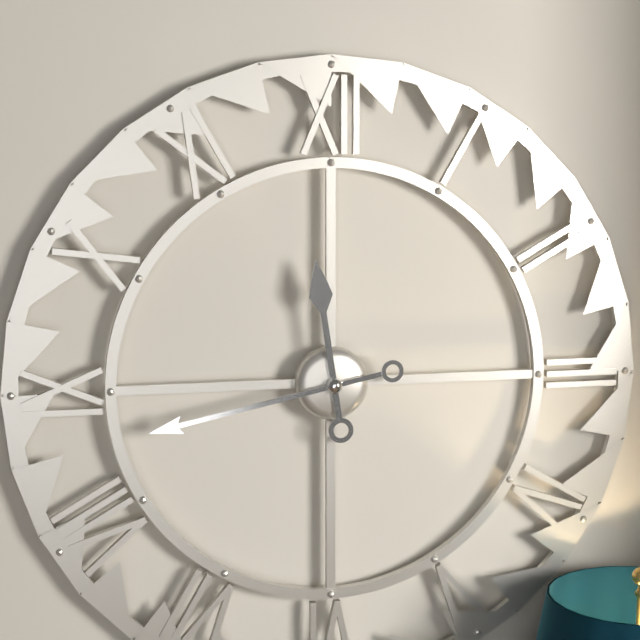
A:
11.43
